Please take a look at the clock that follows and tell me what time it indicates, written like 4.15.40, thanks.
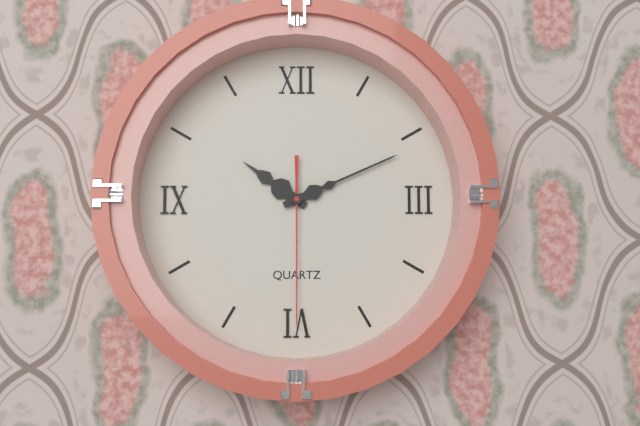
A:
10.11.30
